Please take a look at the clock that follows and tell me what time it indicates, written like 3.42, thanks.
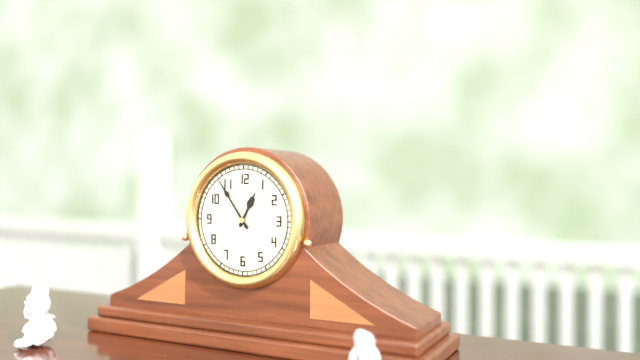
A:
12.54
